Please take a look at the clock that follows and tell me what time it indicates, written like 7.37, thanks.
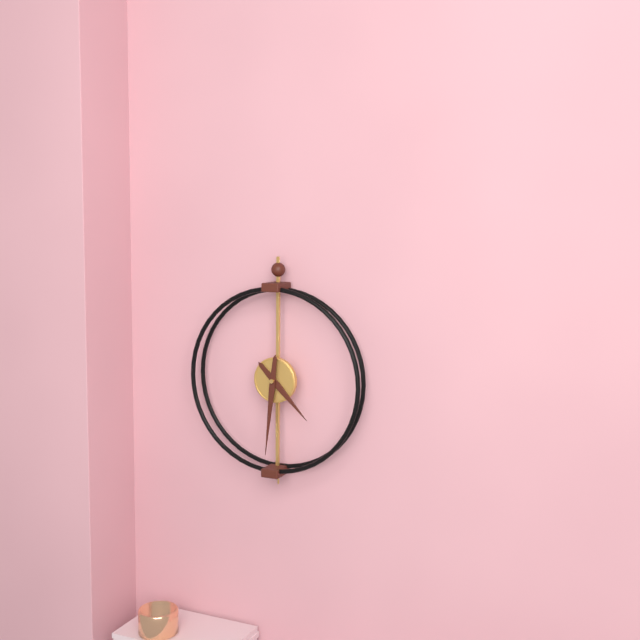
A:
4.31
